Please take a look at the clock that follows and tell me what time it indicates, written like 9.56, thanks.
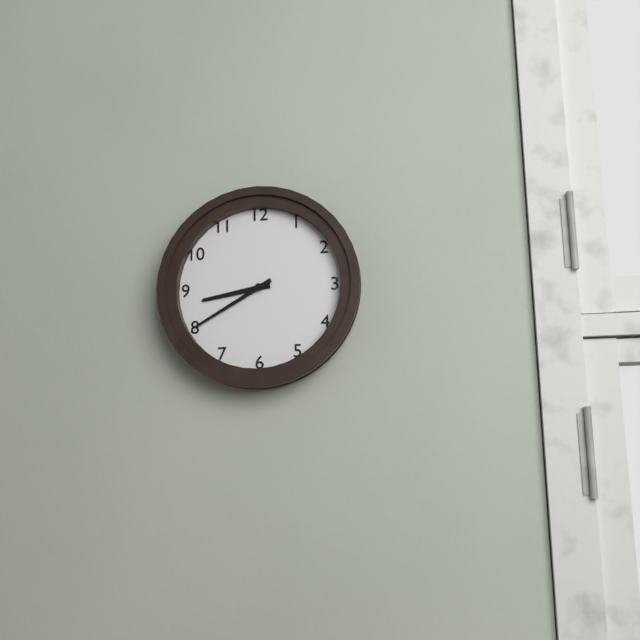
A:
8.40
